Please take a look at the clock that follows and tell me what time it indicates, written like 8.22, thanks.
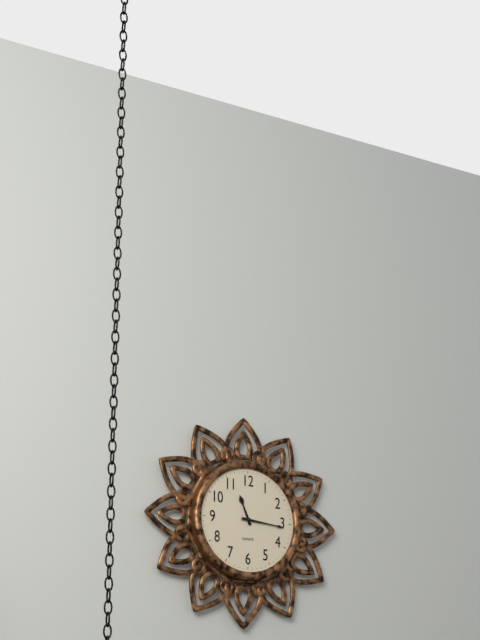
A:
11.16
